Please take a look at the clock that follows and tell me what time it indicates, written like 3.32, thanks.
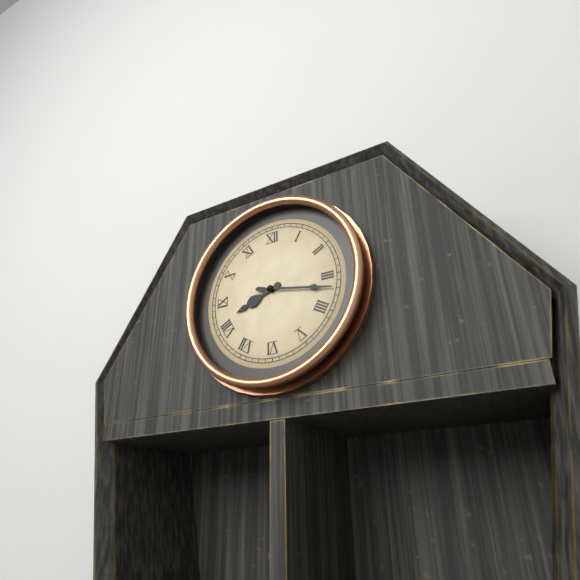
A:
8.17
